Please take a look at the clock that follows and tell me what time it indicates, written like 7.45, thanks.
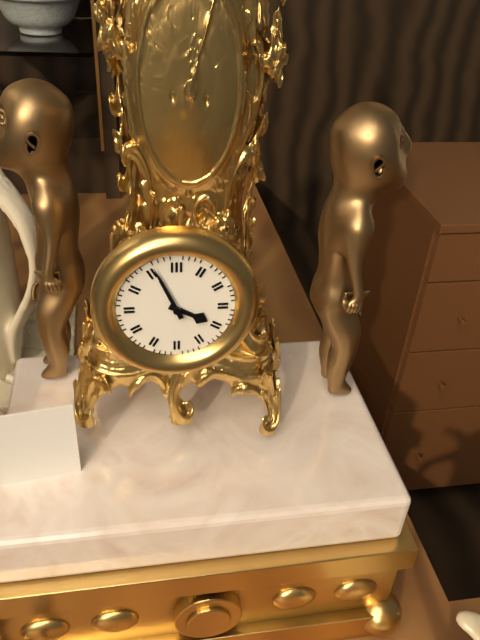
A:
3.56
